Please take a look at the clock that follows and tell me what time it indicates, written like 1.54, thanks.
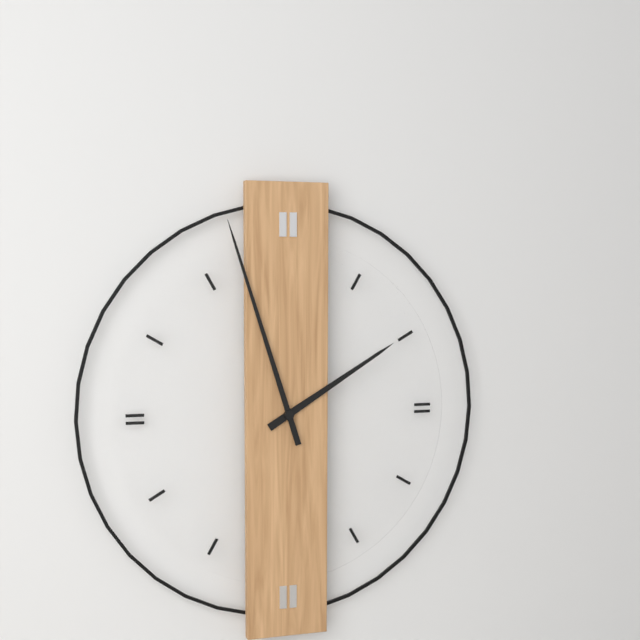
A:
1.57
